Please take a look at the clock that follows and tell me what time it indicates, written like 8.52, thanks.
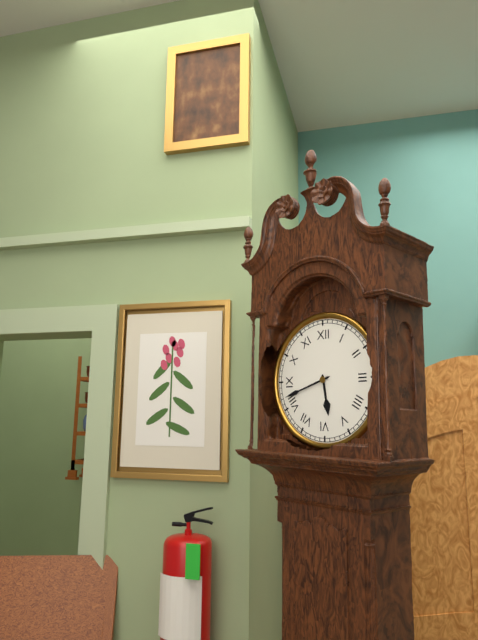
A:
5.42
